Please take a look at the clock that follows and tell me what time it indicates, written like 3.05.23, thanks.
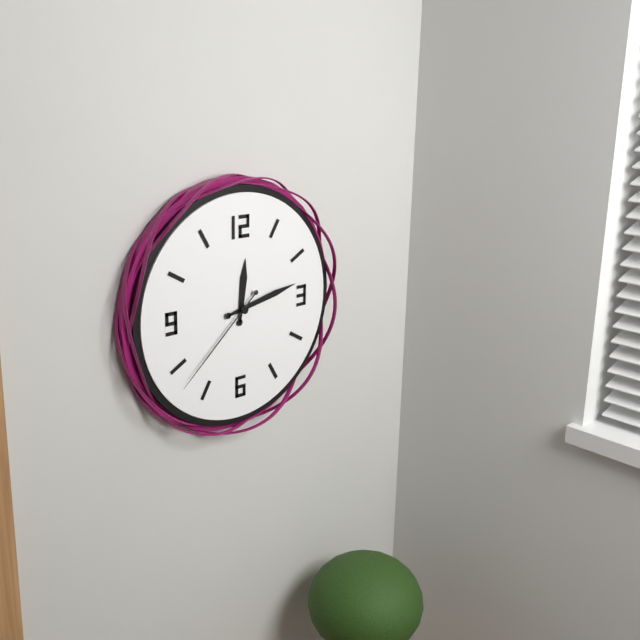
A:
12.13.38
